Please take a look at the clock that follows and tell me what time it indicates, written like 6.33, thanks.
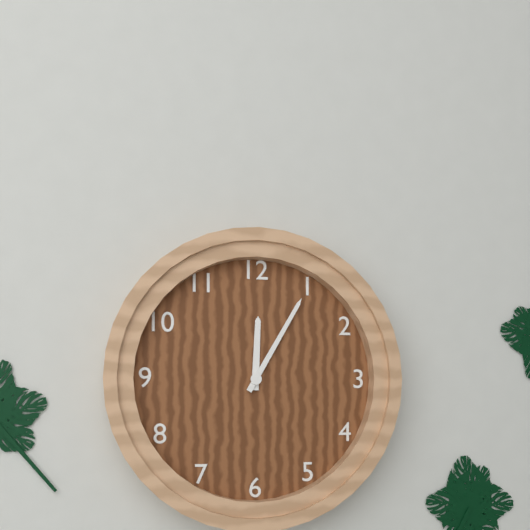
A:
12.05
